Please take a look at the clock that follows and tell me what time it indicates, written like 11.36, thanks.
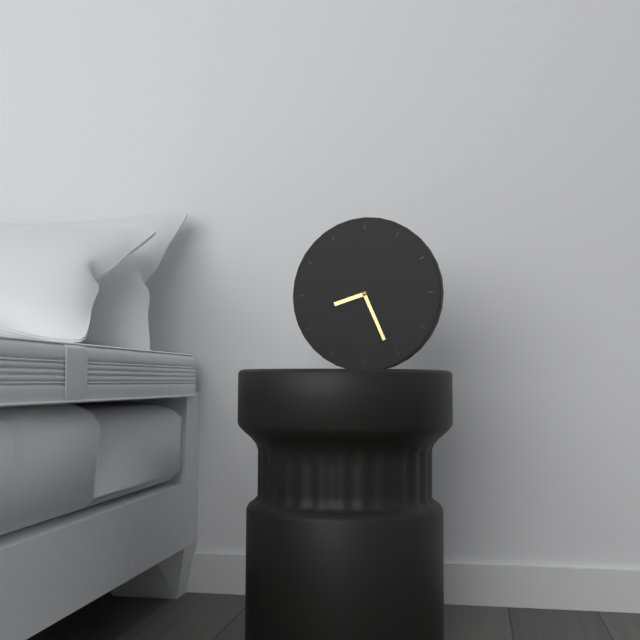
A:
8.26
